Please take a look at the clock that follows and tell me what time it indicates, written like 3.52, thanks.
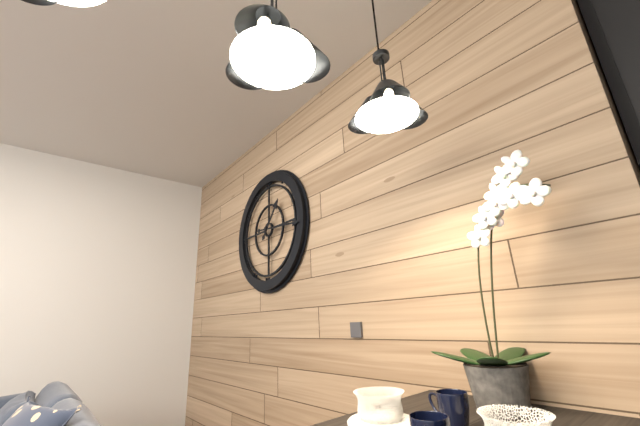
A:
1.16
